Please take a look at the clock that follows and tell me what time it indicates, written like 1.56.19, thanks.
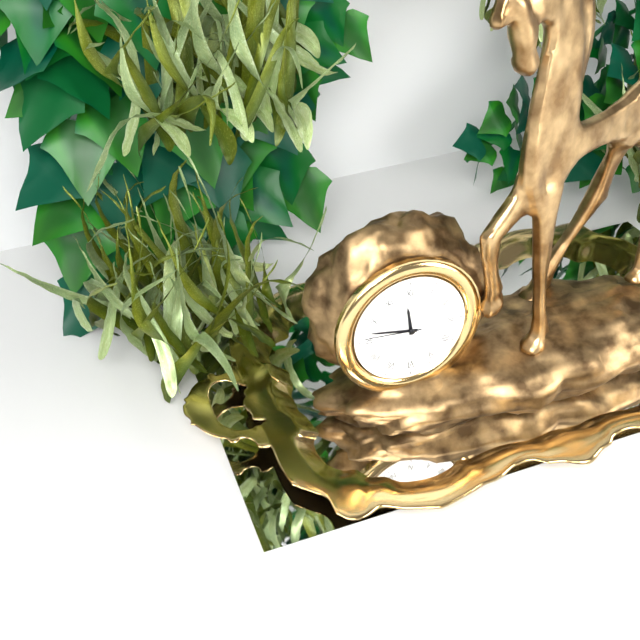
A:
11.47.46
